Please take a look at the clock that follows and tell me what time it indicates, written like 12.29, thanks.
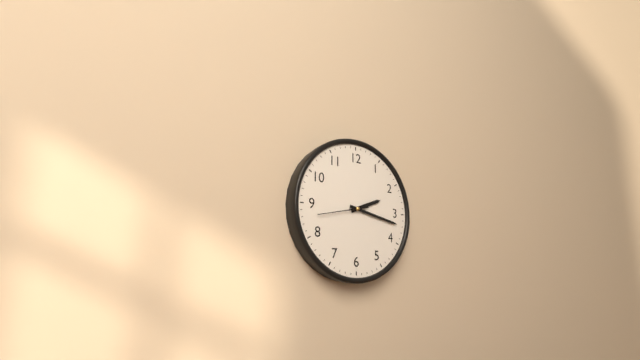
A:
2.17
